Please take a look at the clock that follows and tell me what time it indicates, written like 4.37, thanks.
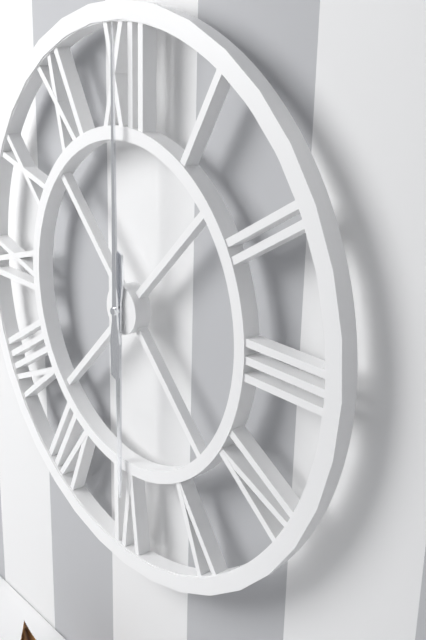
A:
6.00
